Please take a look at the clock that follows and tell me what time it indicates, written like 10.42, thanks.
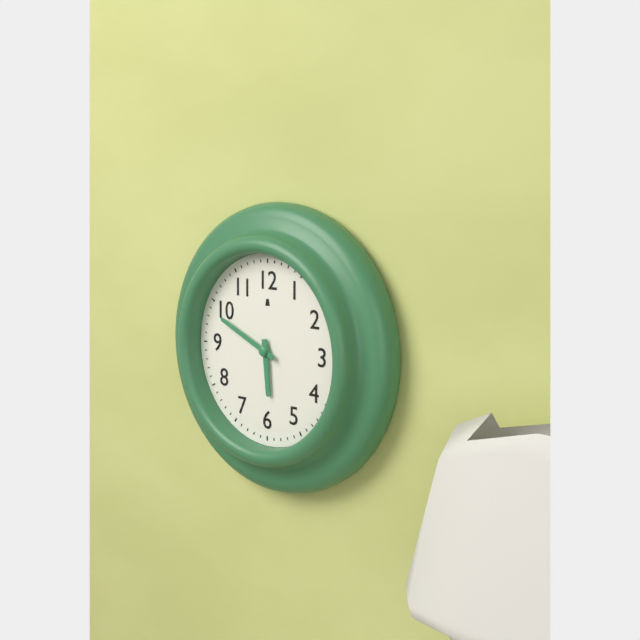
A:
5.49
